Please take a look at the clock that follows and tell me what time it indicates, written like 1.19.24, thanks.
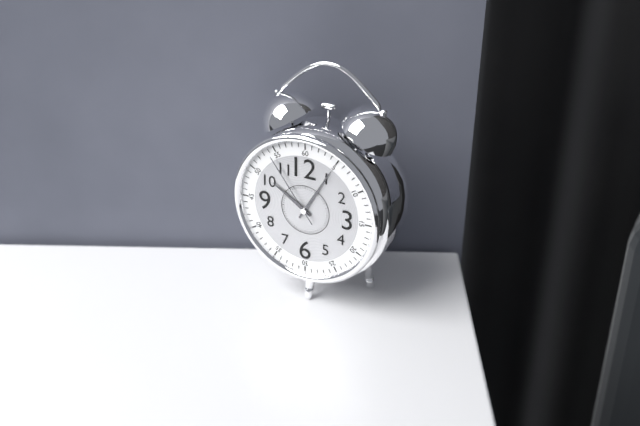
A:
10.05.54
